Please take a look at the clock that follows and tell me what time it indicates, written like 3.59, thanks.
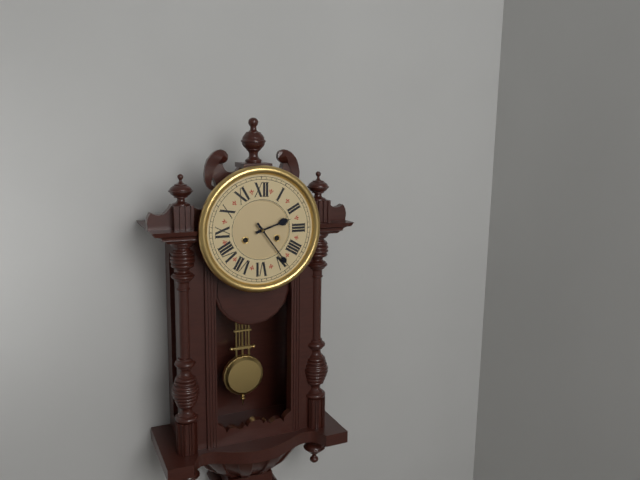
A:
2.24
